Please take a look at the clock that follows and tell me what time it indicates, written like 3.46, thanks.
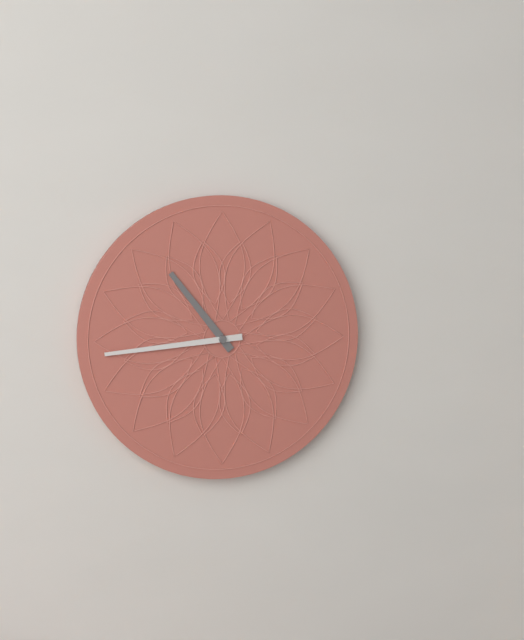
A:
10.44
